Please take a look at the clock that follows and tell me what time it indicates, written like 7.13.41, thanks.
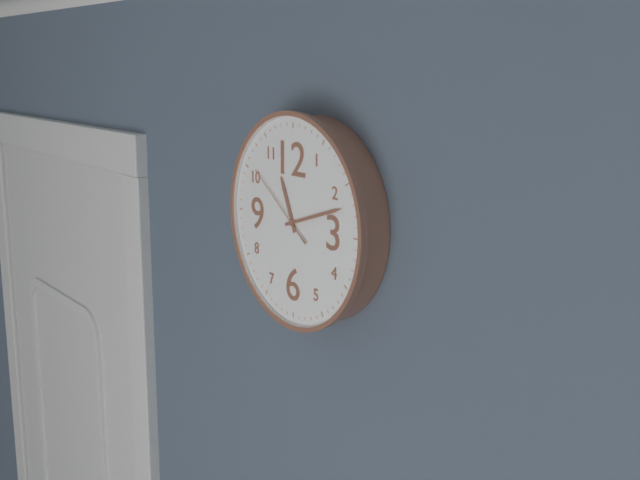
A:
11.12.51
